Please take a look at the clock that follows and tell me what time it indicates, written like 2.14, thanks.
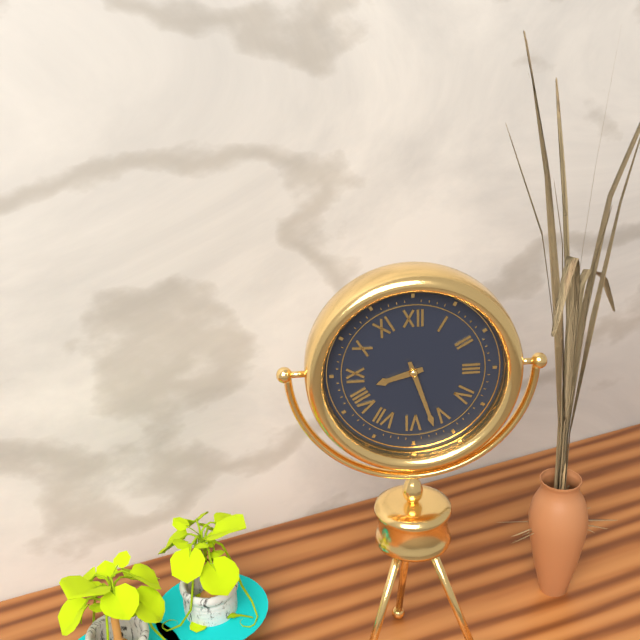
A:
8.27
